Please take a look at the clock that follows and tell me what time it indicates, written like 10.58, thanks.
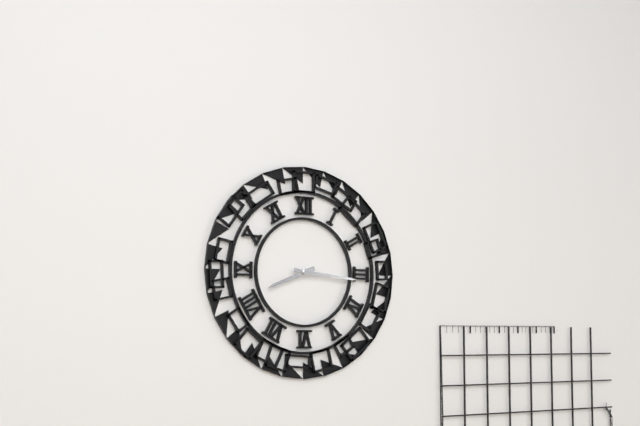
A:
8.16
